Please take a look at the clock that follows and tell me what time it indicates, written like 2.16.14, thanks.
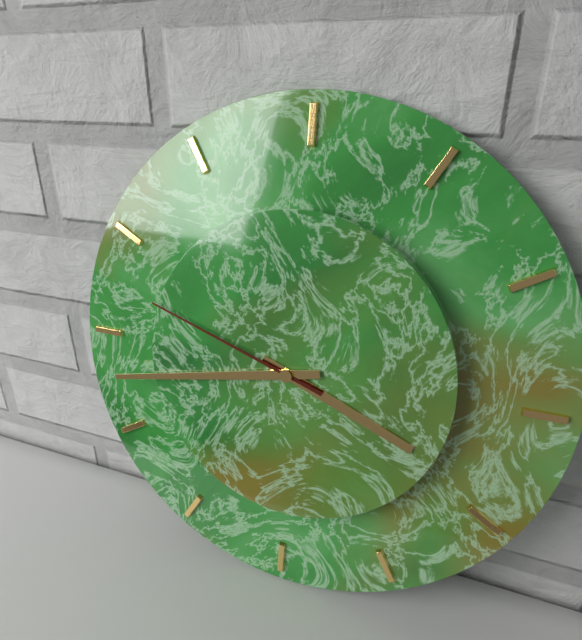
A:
3.43.48
